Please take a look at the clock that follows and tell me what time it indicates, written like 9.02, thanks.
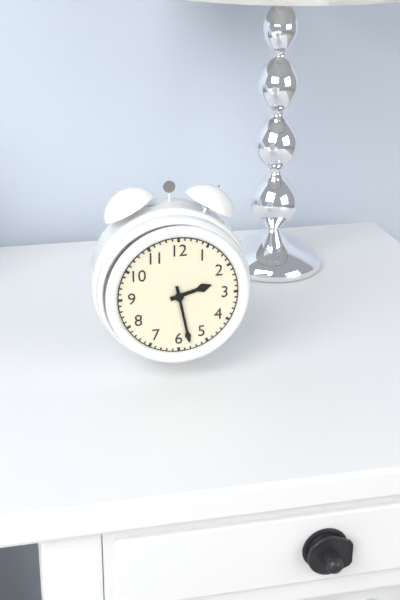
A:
2.28
